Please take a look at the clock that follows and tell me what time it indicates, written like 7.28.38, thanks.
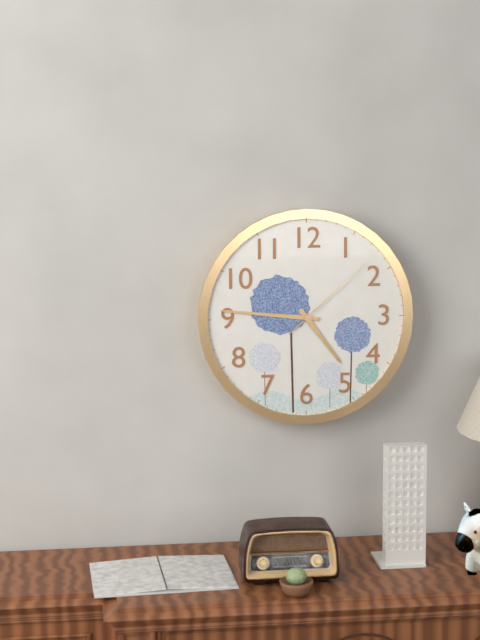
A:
4.46.08
